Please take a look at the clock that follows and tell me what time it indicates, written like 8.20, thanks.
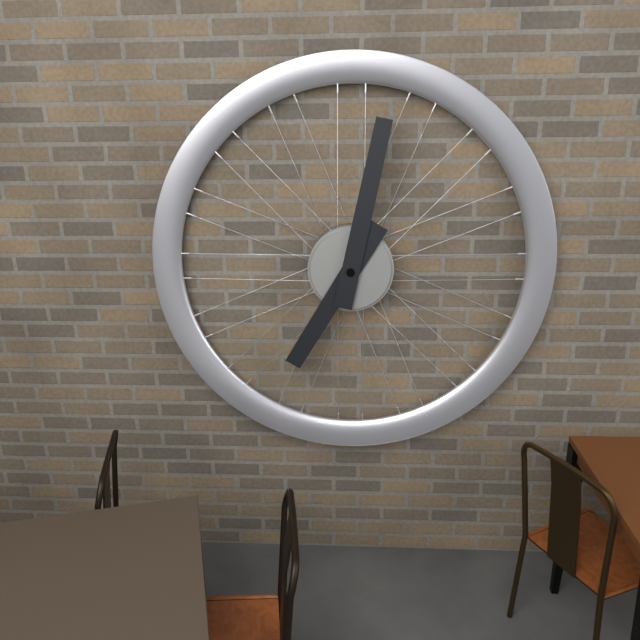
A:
7.02
